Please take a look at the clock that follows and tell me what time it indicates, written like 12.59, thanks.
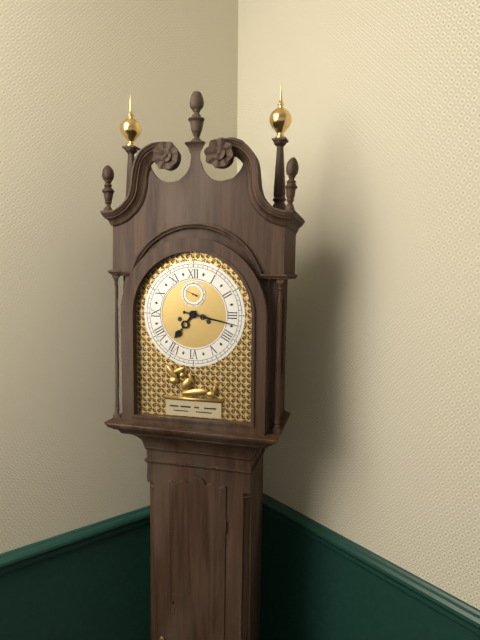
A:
7.17
